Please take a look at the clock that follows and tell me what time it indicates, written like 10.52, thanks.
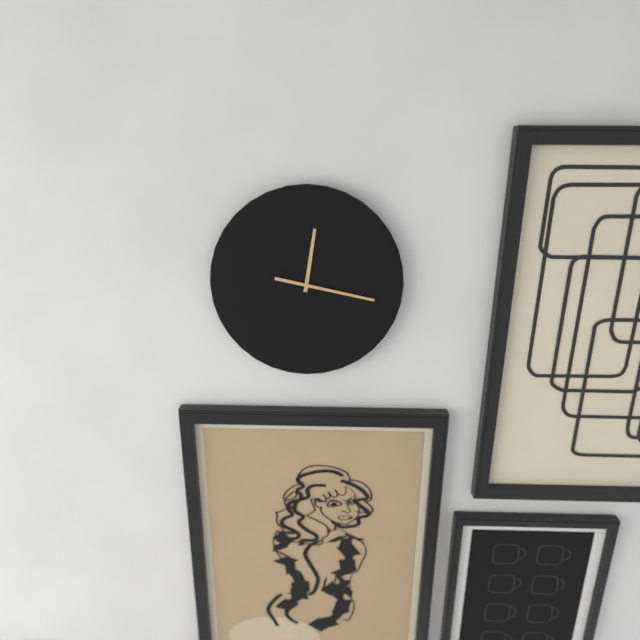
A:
12.17
